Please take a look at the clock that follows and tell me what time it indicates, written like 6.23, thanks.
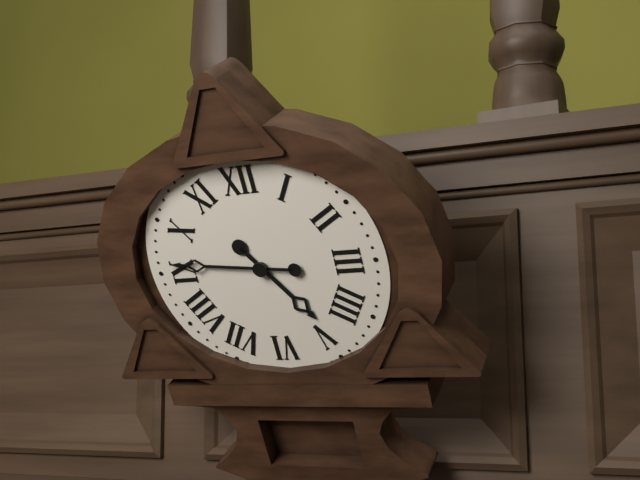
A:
4.46
